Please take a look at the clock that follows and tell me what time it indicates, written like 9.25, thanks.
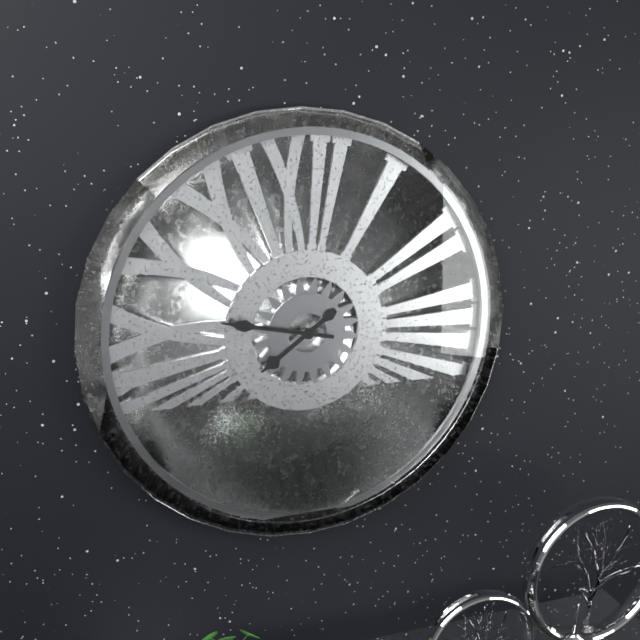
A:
7.47
